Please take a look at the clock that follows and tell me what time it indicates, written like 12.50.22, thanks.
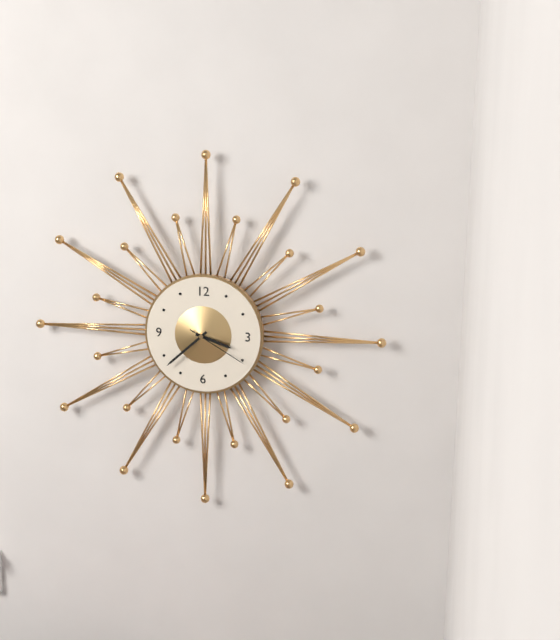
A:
3.38.20
